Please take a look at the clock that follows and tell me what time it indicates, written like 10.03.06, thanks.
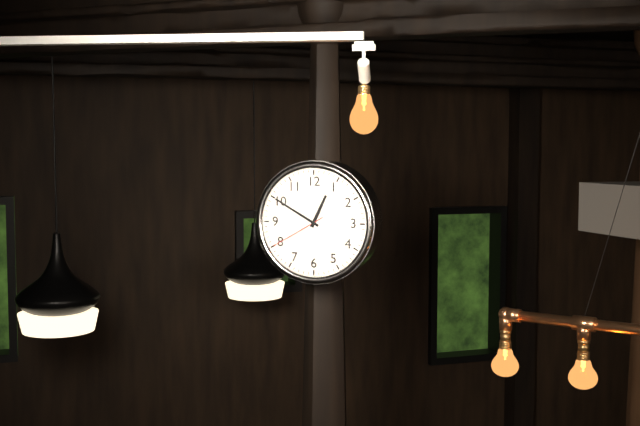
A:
12.50.40
